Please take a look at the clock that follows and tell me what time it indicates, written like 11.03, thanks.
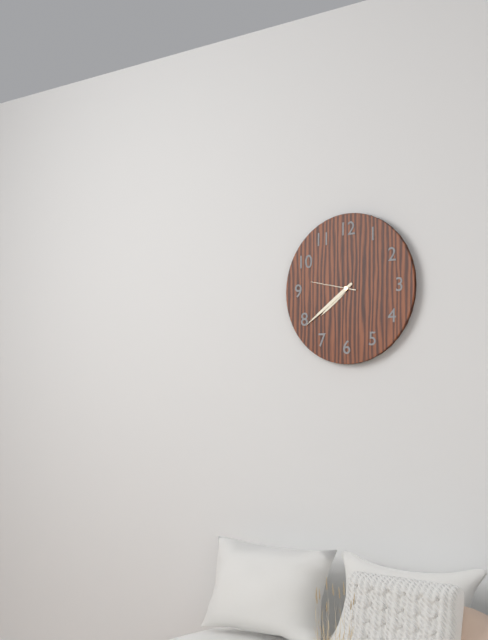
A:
7.39
